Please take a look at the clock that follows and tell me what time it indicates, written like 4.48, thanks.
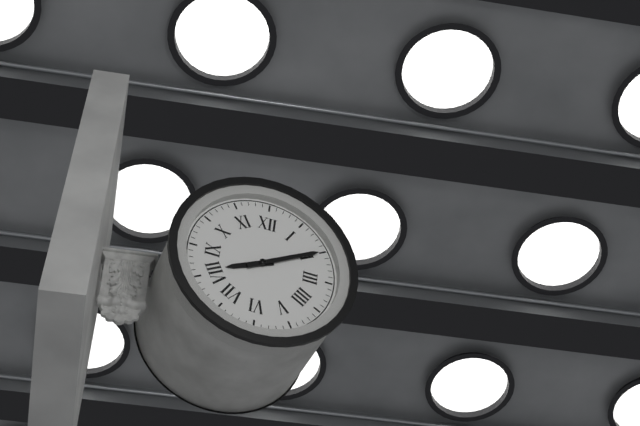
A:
8.10
